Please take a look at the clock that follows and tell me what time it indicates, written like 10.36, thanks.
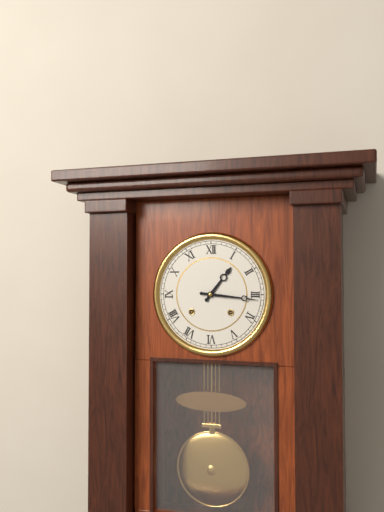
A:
1.16
